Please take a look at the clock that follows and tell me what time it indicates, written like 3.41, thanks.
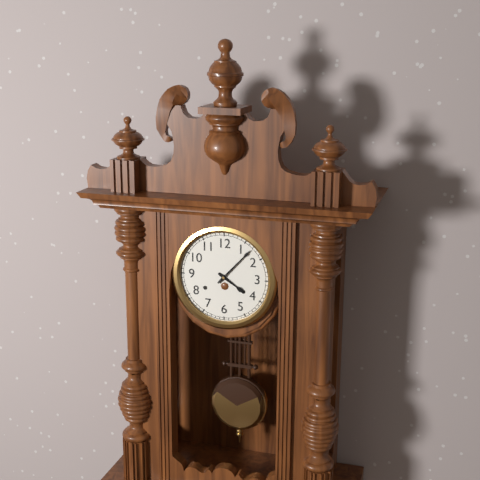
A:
4.07
